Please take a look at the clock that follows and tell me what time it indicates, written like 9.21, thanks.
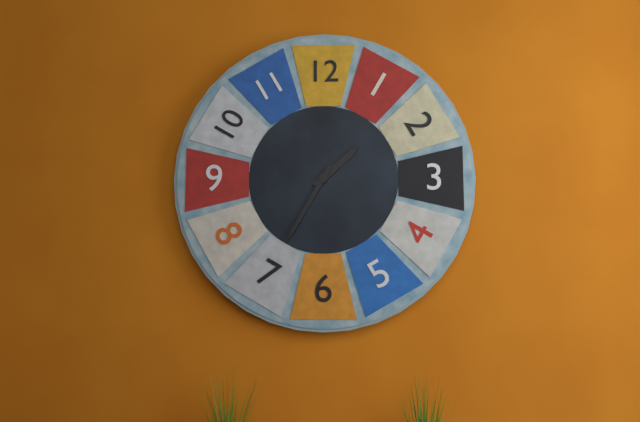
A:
1.35
